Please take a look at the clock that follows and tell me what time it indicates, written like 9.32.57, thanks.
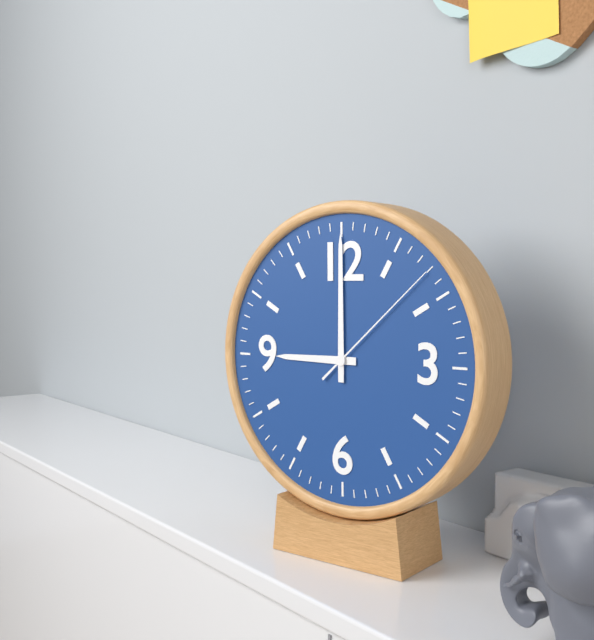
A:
9.00.08
